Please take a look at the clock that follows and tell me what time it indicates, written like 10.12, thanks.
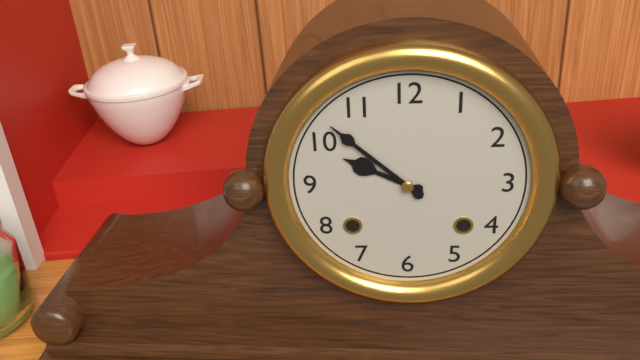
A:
9.52
